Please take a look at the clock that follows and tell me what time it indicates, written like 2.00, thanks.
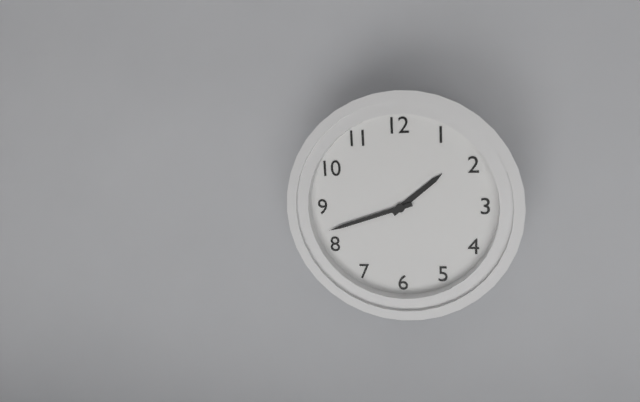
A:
1.42
